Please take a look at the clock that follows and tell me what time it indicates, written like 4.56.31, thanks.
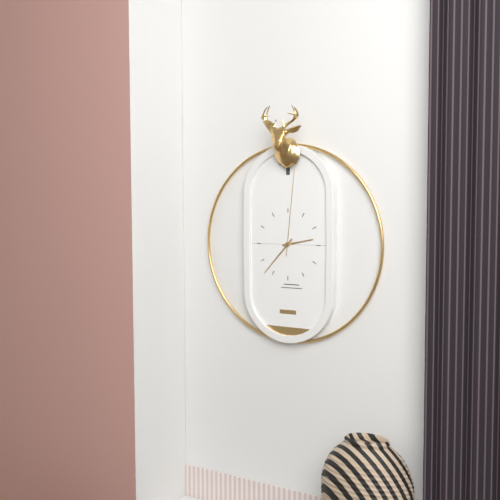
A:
2.37.01
